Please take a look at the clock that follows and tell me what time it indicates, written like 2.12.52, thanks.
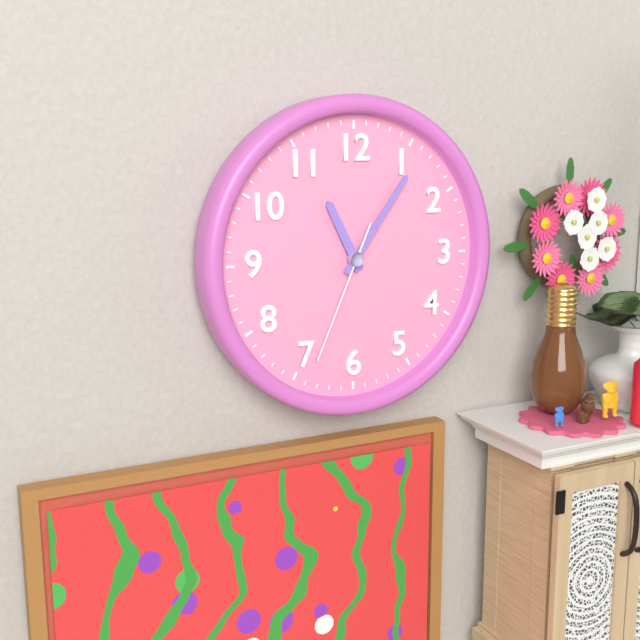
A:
11.06.34
